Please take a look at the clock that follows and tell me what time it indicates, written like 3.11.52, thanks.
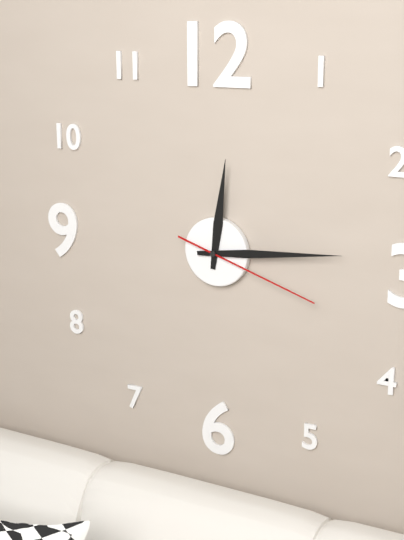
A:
12.14.18
